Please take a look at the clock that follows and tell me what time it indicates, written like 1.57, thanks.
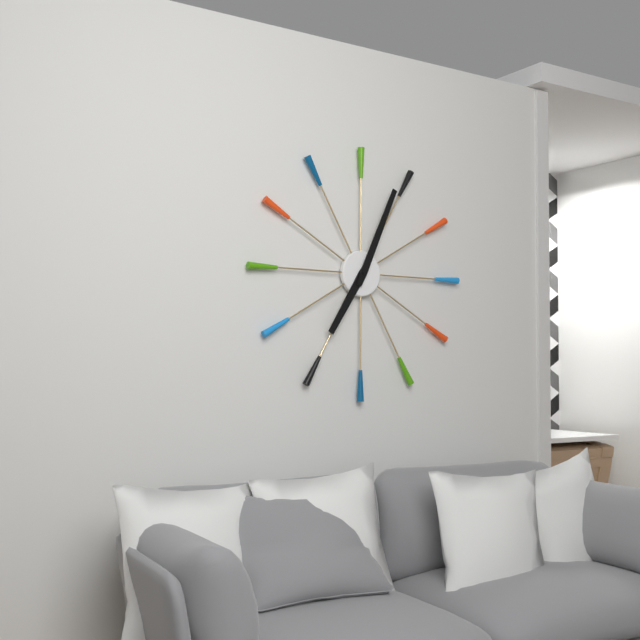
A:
7.04
